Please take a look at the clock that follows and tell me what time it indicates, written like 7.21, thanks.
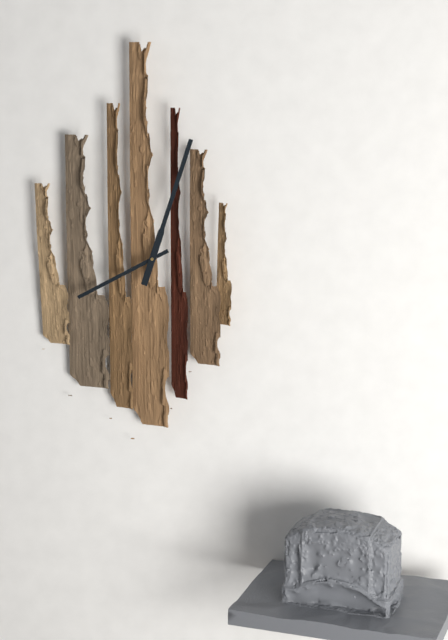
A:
8.03
